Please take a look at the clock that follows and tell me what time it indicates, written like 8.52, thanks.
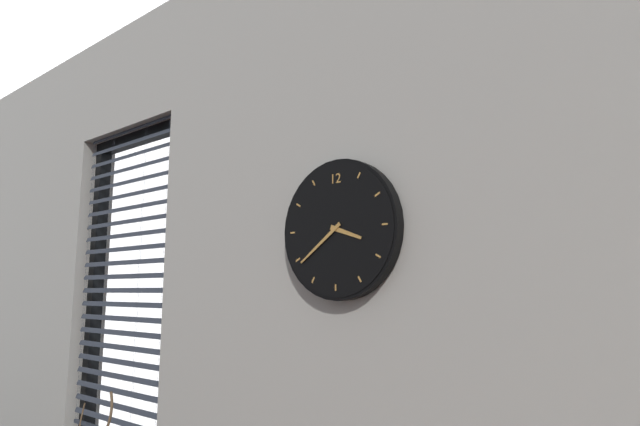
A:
3.39
